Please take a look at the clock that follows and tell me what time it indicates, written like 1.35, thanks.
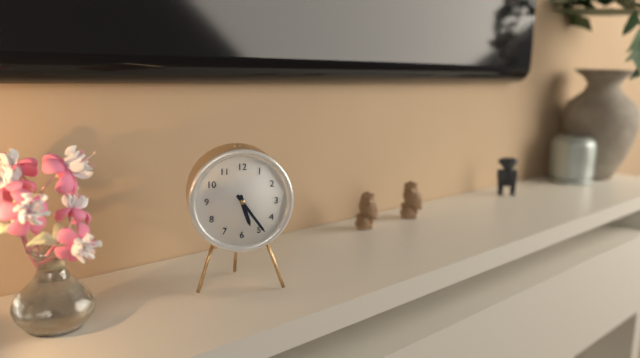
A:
5.24
